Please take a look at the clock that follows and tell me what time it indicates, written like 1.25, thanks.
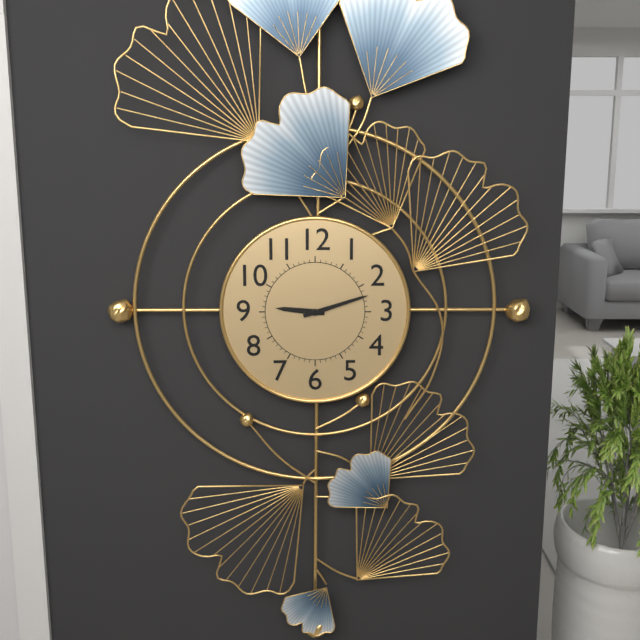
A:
9.12
